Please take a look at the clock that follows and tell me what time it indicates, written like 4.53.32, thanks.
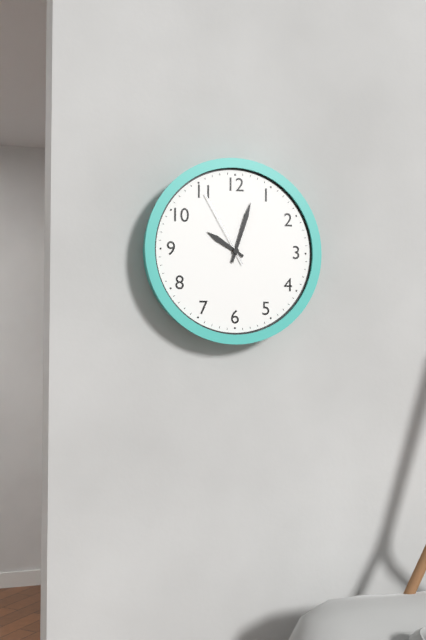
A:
10.03.55
